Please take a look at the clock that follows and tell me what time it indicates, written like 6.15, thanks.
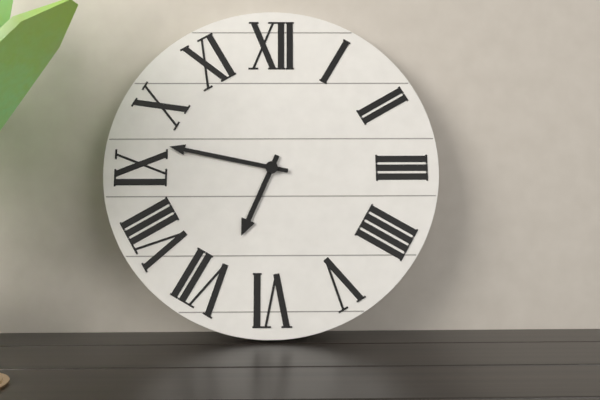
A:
6.47
